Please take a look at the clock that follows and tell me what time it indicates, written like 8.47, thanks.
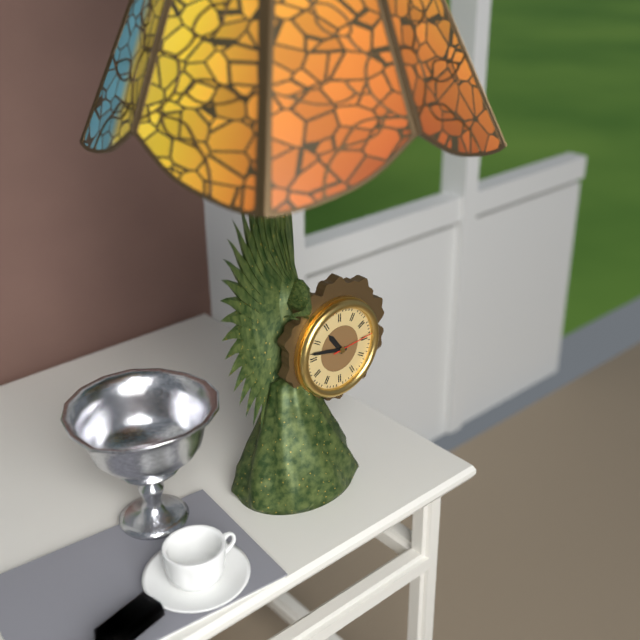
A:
10.47
